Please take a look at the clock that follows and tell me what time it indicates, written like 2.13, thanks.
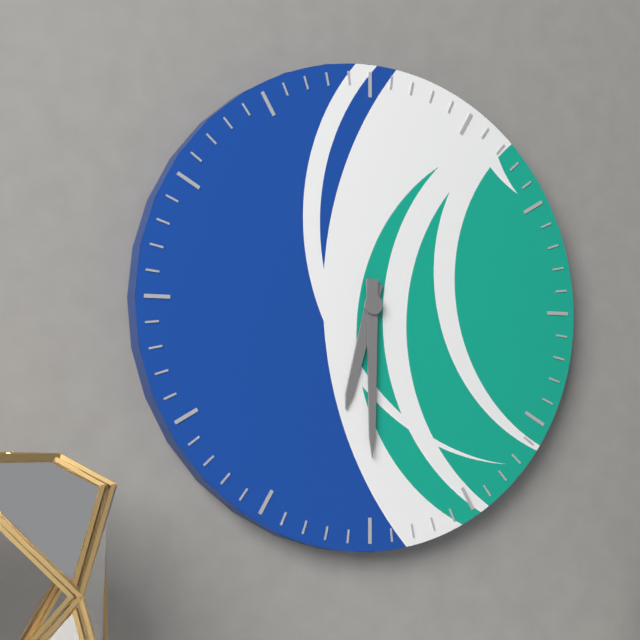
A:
6.30
